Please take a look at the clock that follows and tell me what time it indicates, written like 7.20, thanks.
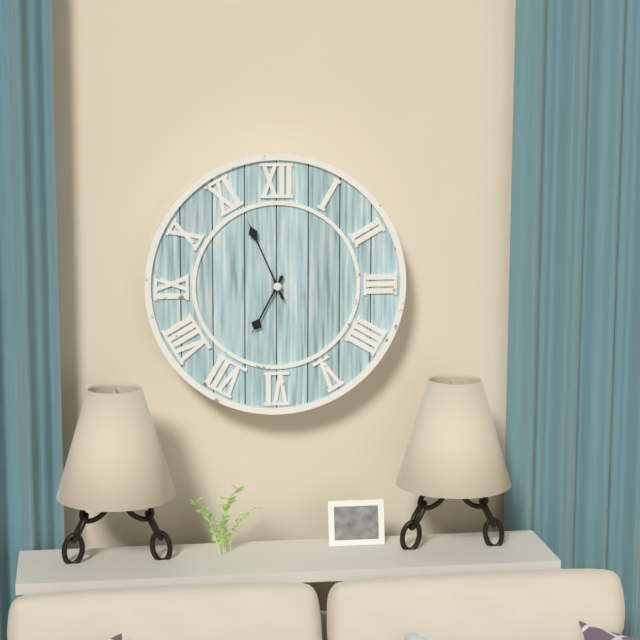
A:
6.56
